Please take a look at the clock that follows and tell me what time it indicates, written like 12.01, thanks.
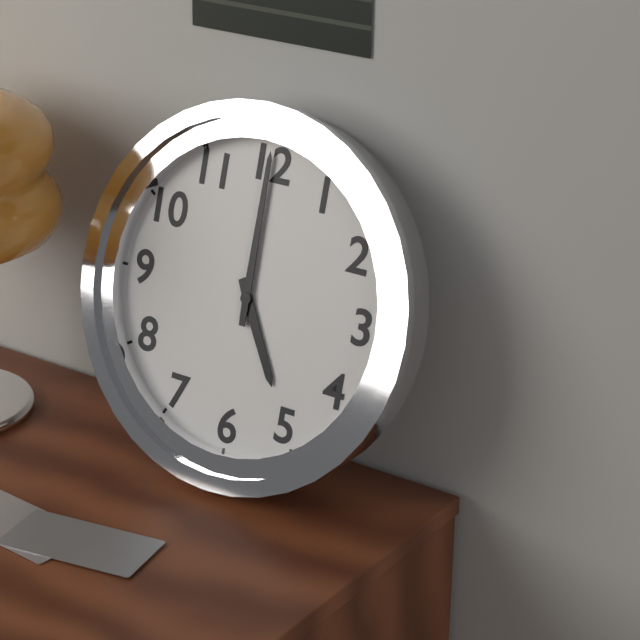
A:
5.00
